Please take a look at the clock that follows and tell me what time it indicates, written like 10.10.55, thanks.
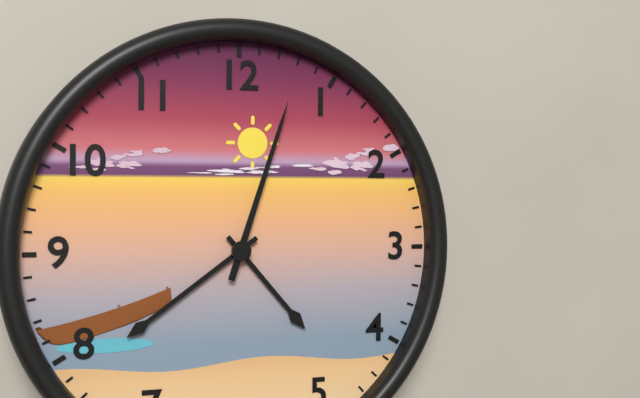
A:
4.39.03
